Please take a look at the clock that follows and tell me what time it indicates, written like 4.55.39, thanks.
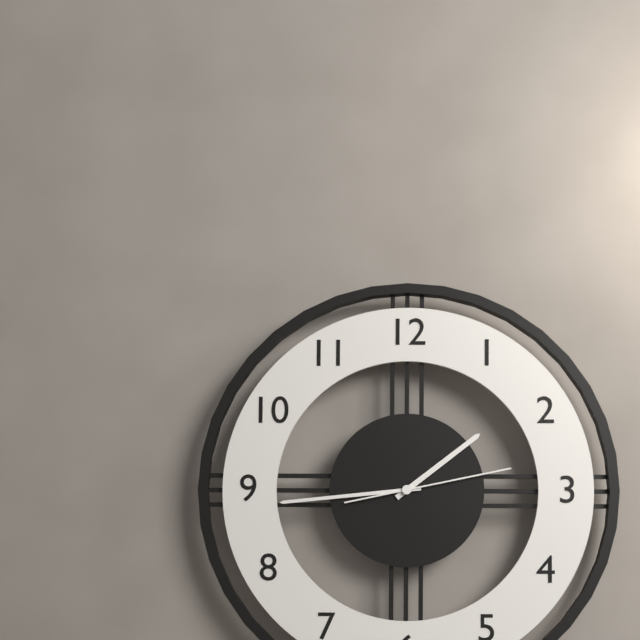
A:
1.44.13
